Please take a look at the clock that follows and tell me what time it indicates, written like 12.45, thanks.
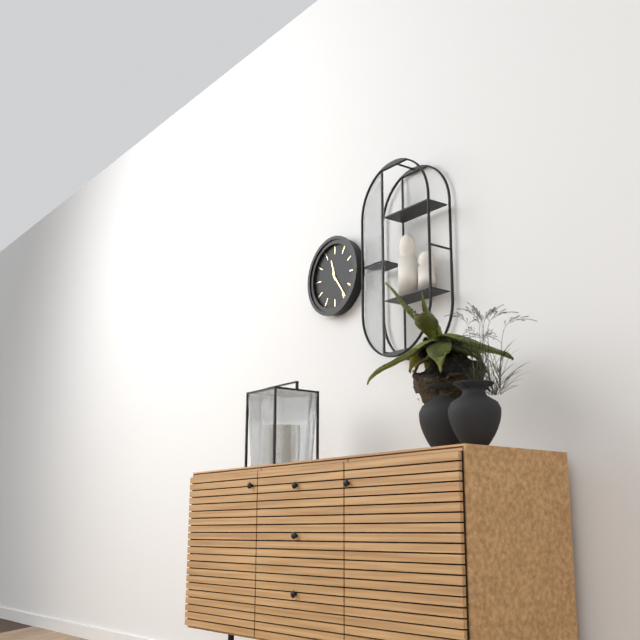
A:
11.24
